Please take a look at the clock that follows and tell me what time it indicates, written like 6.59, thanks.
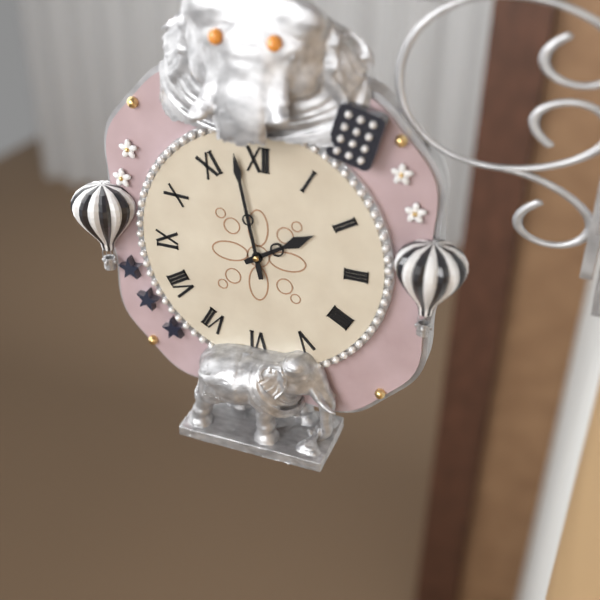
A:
1.58
